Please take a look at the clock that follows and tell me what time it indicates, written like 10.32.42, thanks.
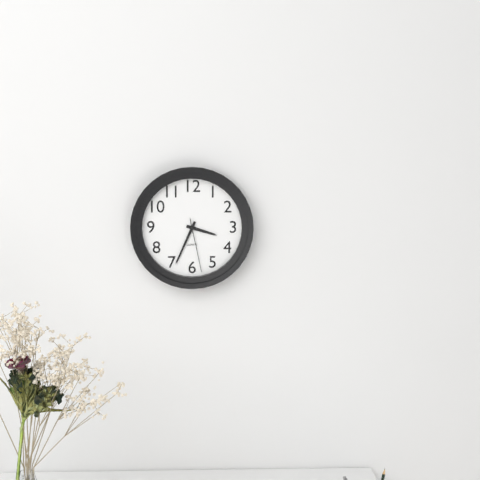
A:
3.34.28
